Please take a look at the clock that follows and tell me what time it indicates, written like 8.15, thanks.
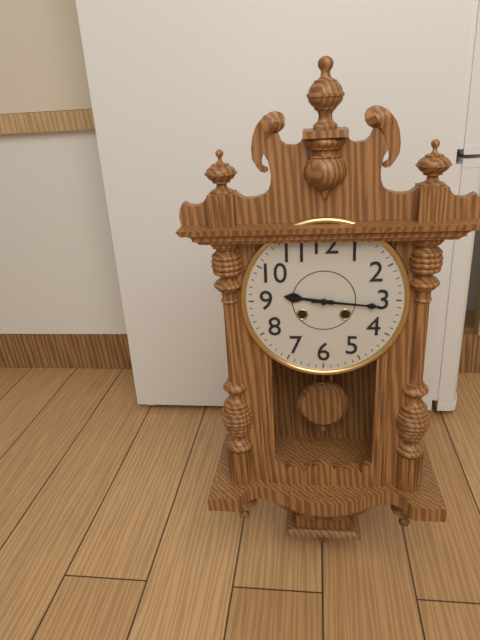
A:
9.16
